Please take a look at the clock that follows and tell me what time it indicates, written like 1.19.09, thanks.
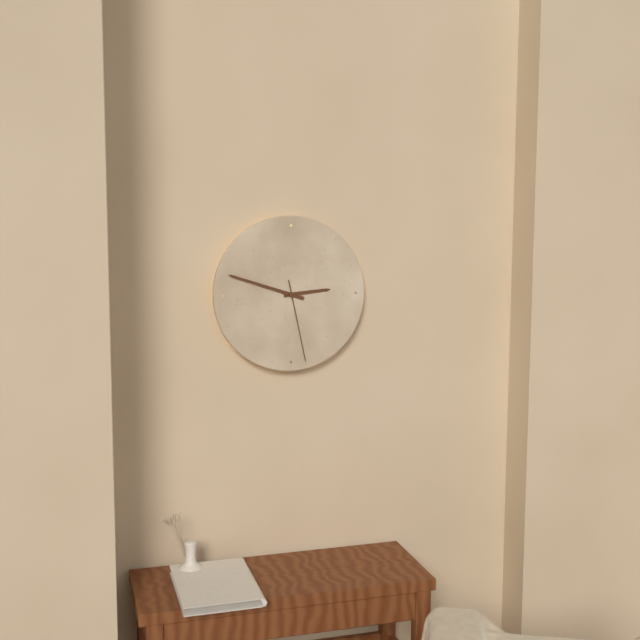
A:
2.48.28
